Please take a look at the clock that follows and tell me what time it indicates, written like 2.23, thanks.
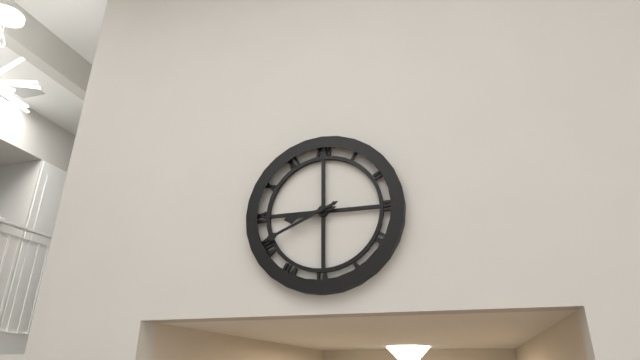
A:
8.41
